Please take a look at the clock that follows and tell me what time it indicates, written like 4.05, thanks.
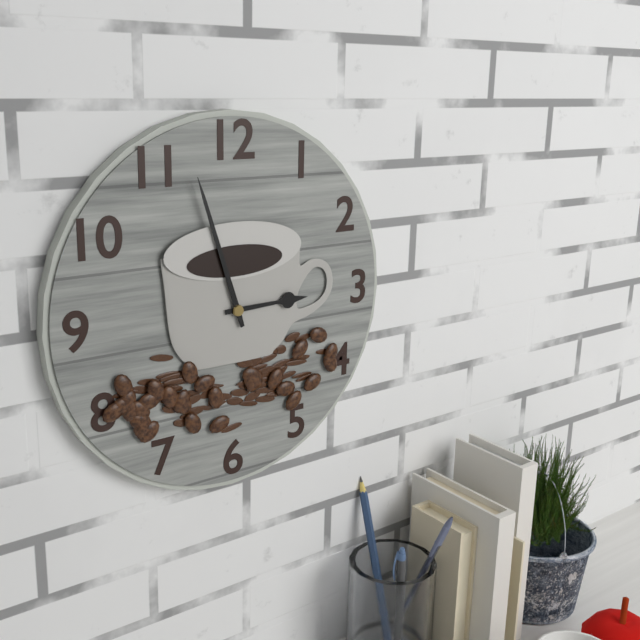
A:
2.57
